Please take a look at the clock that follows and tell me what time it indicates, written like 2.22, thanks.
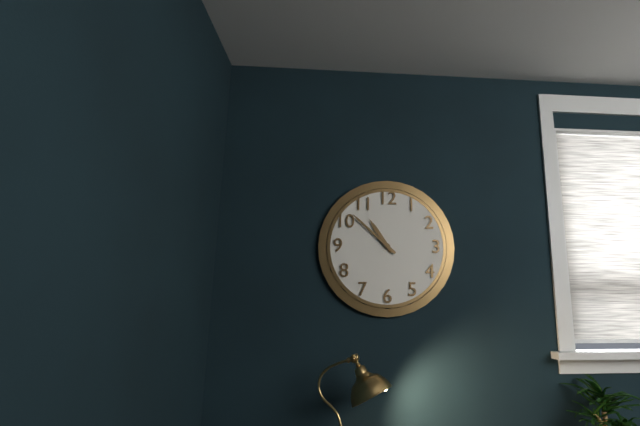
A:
10.52
